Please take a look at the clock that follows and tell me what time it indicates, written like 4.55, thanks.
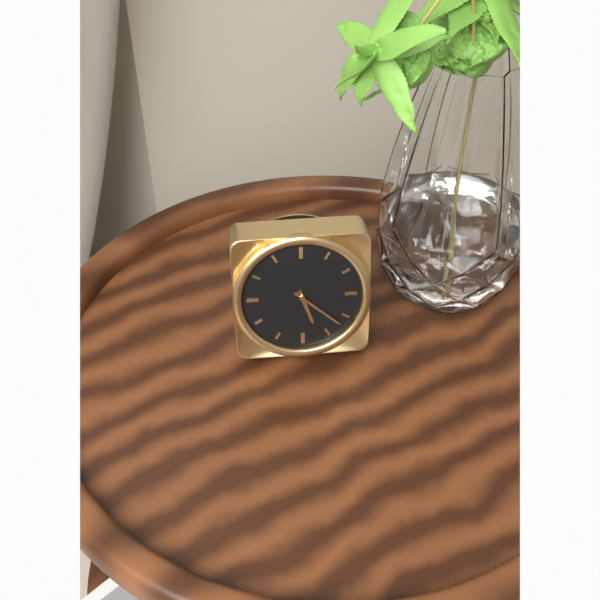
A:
5.22
